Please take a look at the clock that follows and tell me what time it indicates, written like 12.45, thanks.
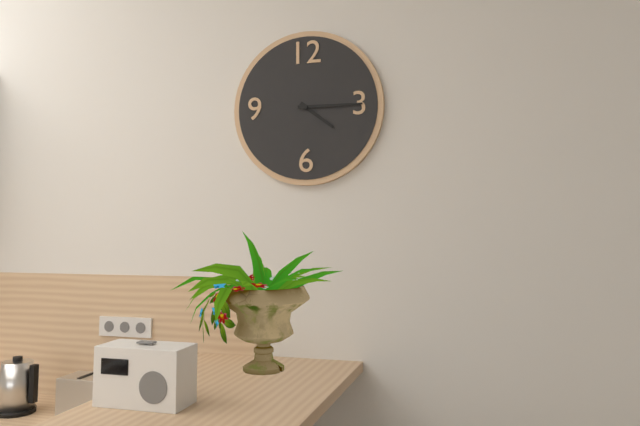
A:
4.15
